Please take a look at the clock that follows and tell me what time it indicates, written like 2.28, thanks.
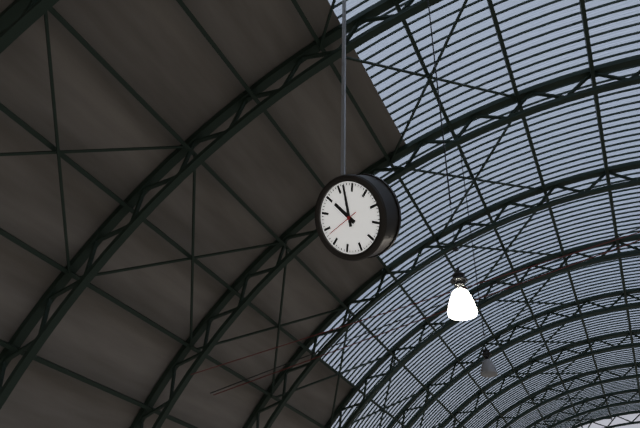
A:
11.02
